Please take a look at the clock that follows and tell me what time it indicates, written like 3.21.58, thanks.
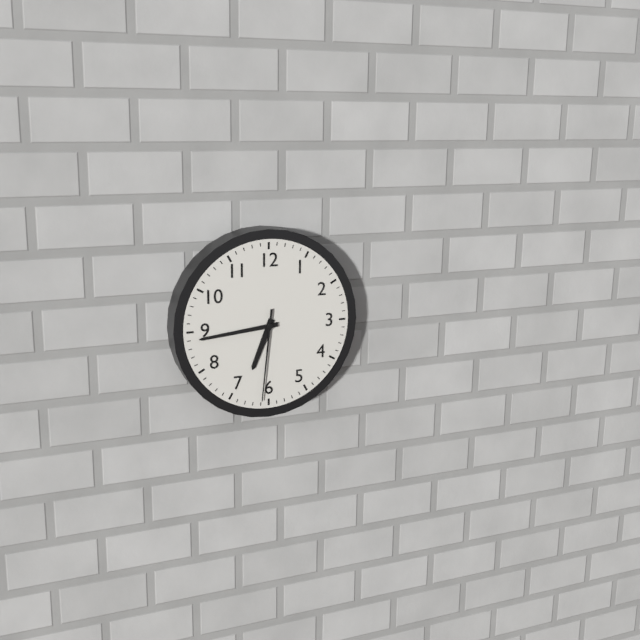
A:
6.44.31
